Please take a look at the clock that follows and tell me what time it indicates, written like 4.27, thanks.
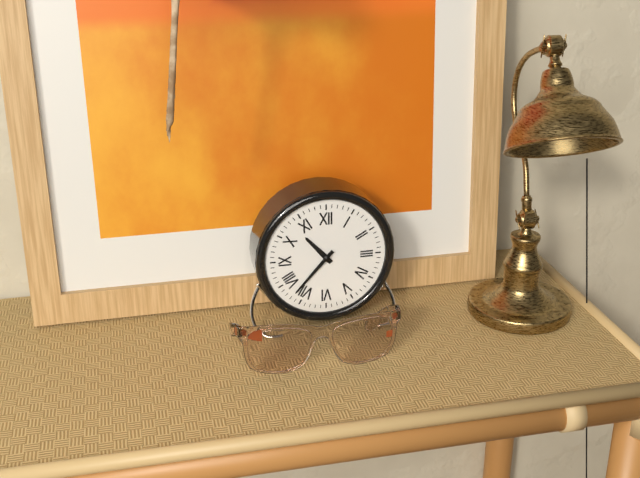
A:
10.37
